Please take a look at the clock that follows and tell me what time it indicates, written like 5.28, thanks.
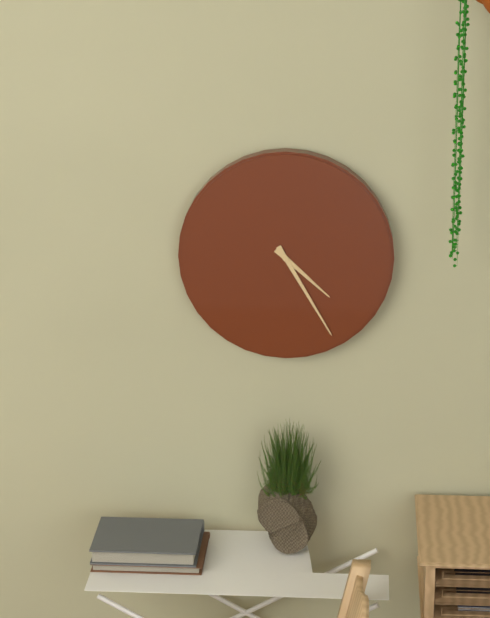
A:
4.25
